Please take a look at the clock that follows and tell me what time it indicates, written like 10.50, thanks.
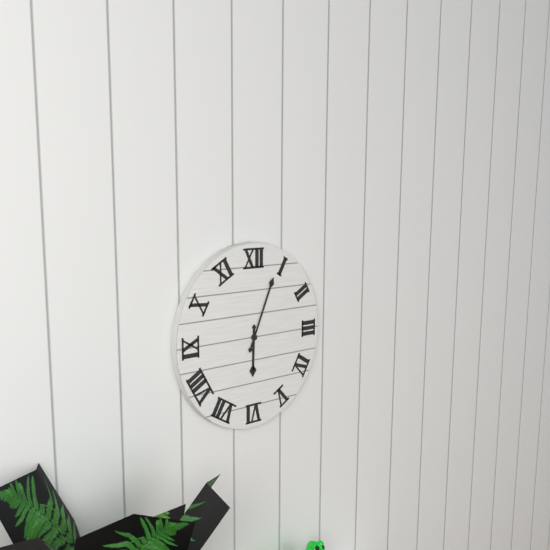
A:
6.04
